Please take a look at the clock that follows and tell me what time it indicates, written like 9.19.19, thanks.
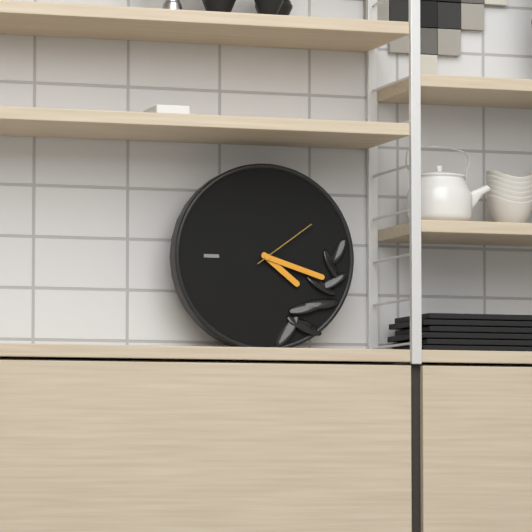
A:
4.18.09
